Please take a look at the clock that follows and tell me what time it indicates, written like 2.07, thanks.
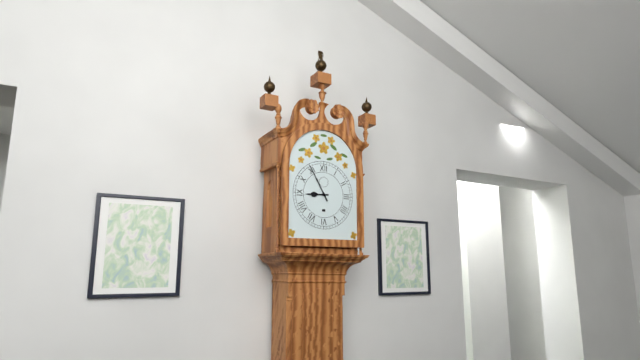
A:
8.55
